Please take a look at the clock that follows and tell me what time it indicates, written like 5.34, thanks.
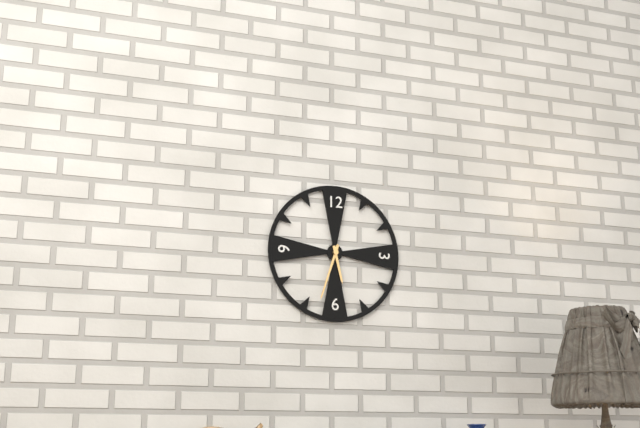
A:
5.33
